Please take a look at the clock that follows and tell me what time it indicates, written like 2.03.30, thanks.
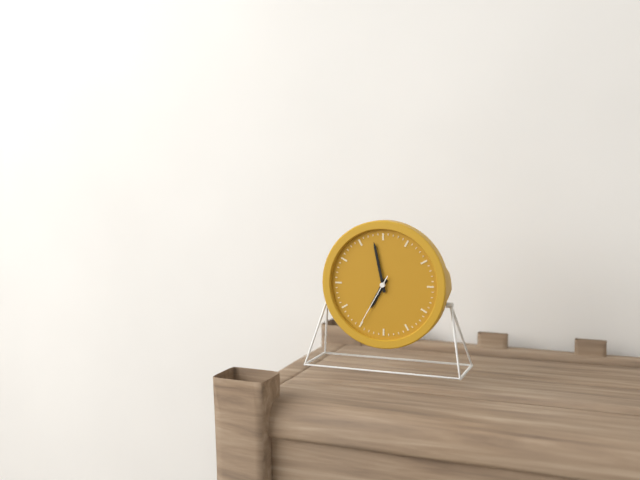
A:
6.58.35
